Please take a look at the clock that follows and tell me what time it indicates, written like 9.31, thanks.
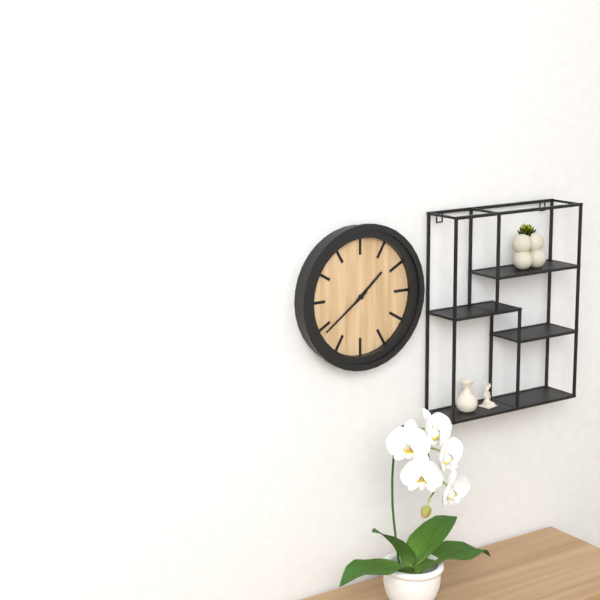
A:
1.39
